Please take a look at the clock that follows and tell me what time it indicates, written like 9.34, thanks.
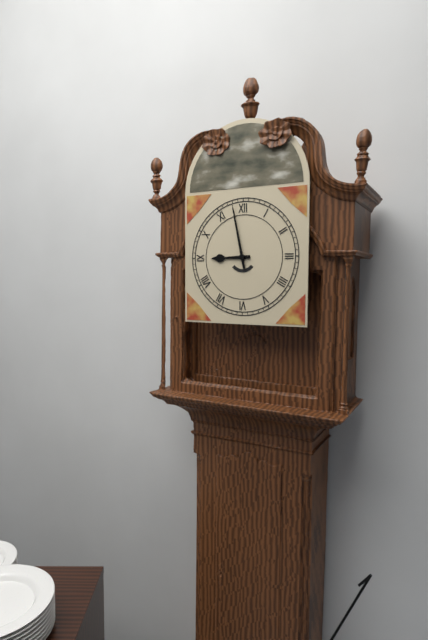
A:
8.58
